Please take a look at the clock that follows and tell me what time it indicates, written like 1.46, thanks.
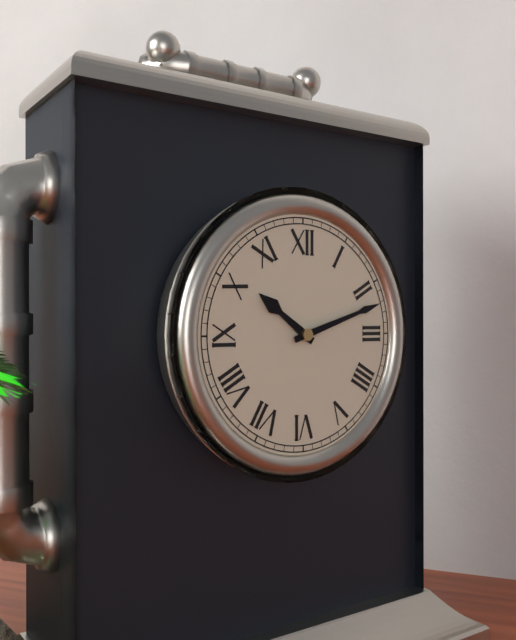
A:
10.12
